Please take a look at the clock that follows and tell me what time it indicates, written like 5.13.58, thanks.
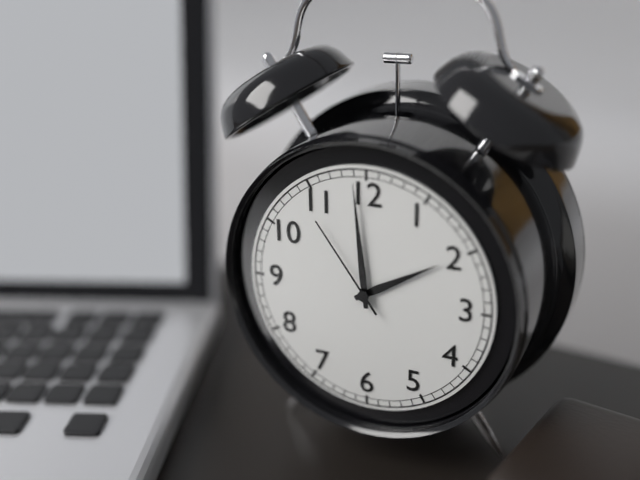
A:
1.59.54
